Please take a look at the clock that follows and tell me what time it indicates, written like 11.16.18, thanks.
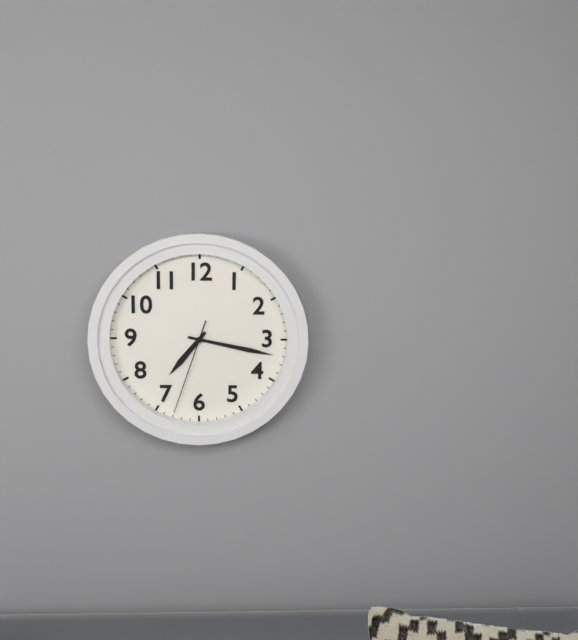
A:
7.17.33
